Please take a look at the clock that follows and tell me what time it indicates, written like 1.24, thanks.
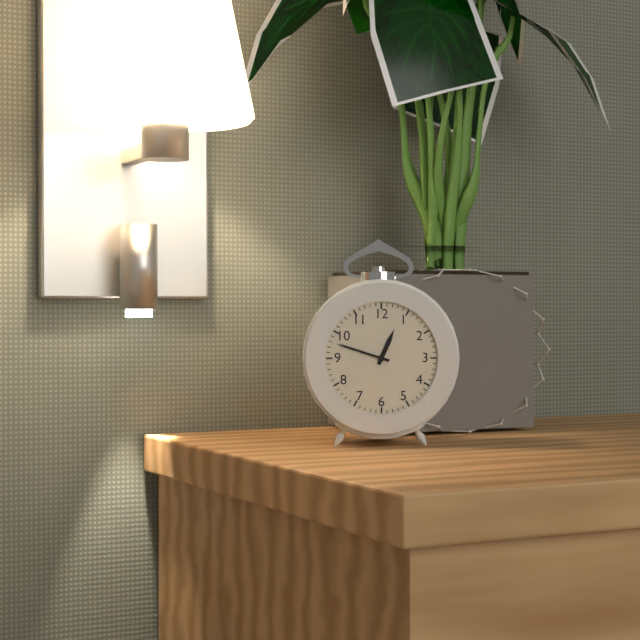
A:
12.48
